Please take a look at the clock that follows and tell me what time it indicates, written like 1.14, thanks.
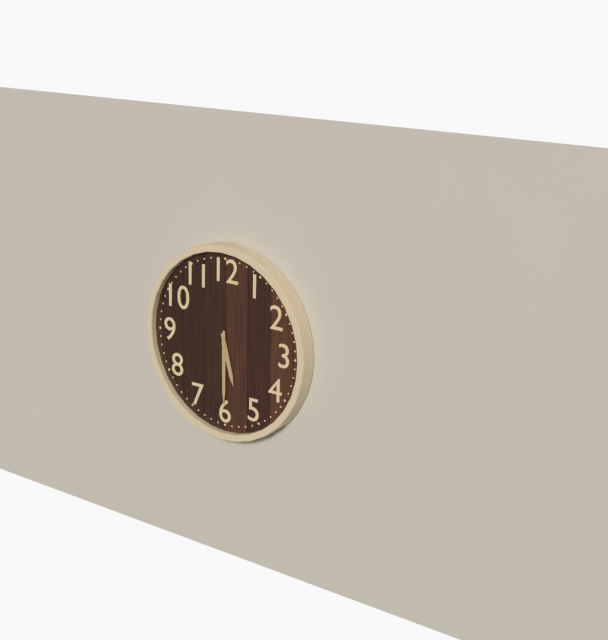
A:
5.30
